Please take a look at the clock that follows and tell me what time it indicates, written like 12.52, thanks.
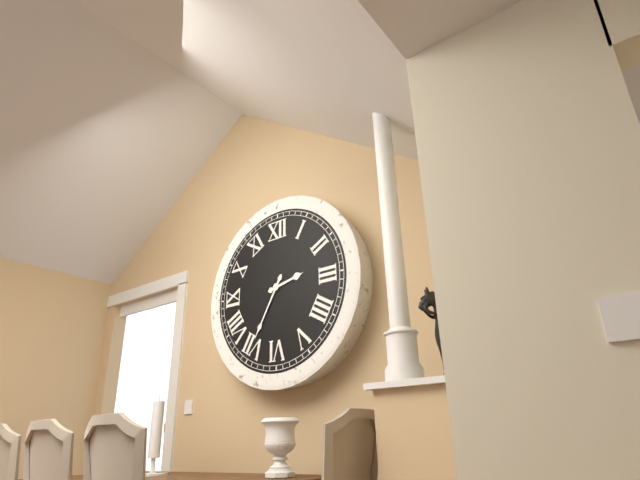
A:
2.35
